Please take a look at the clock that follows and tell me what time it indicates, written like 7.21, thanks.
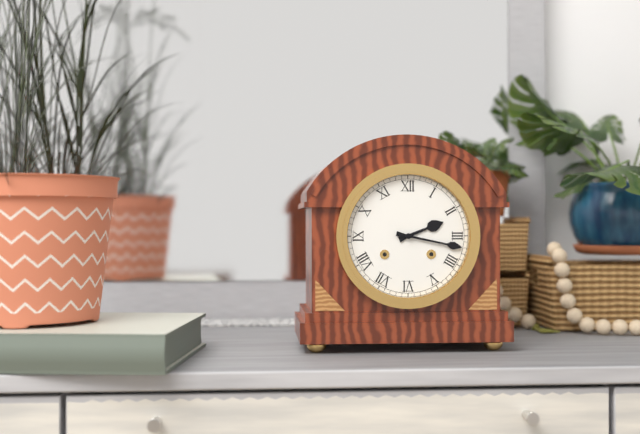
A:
2.17
